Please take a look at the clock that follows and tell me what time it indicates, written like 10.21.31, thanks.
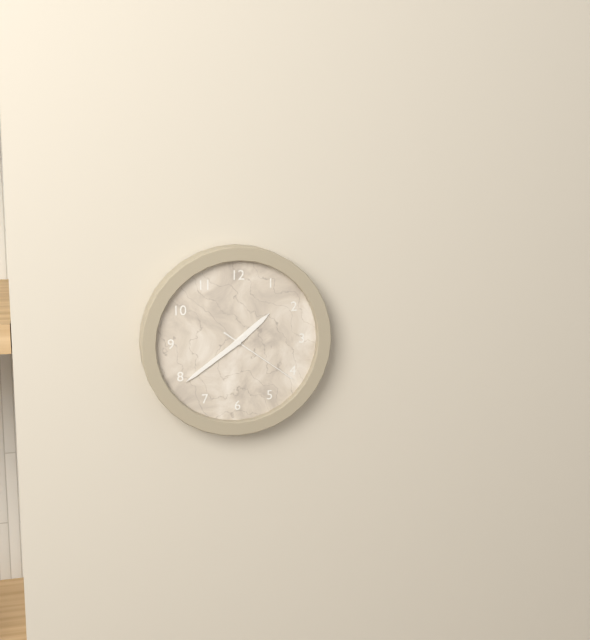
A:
1.39.21
